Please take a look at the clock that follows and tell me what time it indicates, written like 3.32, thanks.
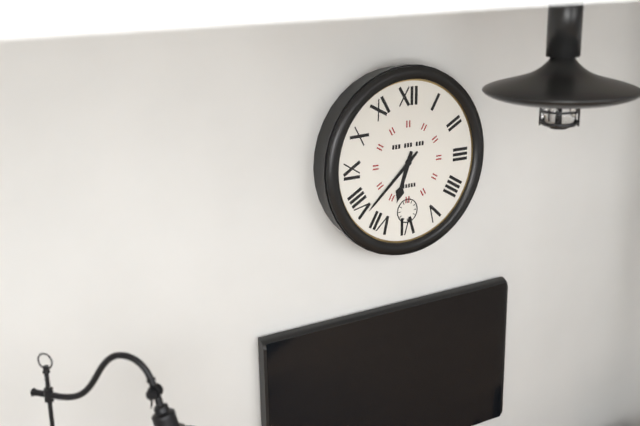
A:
6.38
